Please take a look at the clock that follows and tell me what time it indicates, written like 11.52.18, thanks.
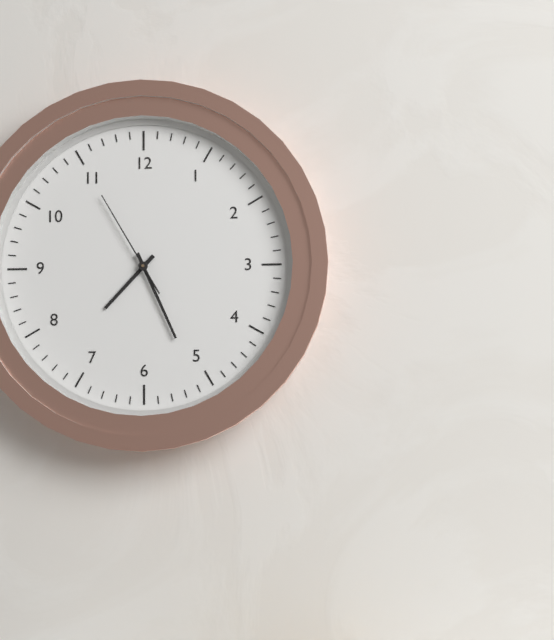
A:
7.26.55
